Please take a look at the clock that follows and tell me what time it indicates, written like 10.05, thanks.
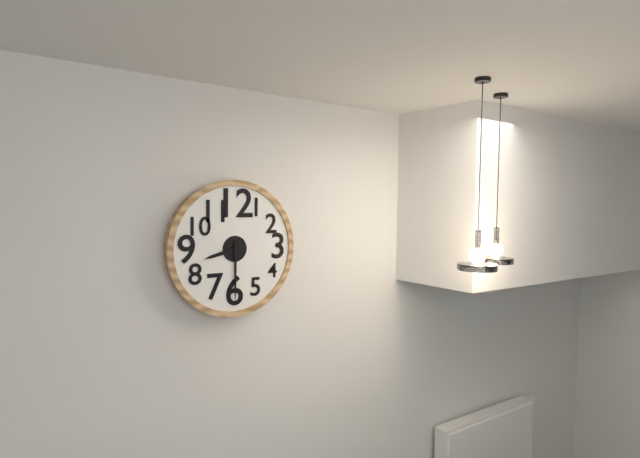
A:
8.30
